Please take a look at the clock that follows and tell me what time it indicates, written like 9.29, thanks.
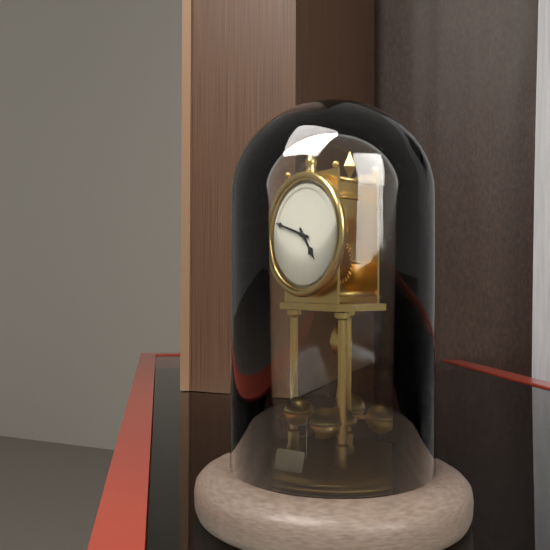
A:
4.48
